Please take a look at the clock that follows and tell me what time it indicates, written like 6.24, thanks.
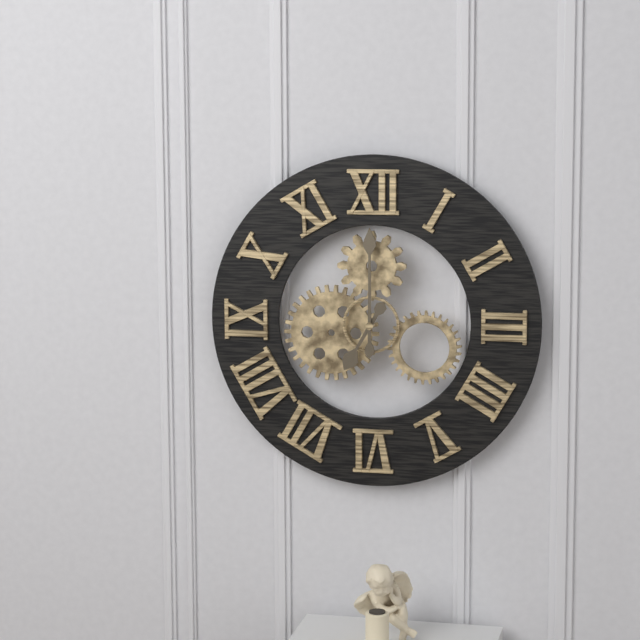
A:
7.00
